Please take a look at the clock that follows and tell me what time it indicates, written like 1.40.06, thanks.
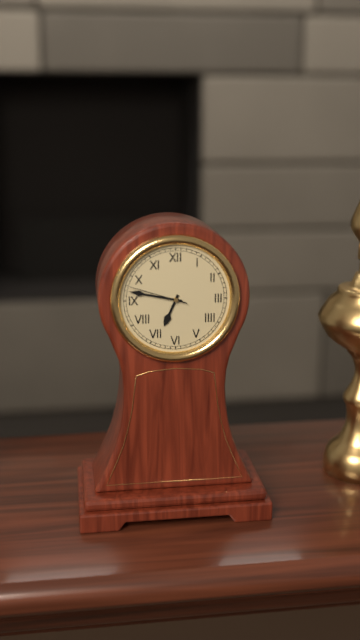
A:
6.47.48
